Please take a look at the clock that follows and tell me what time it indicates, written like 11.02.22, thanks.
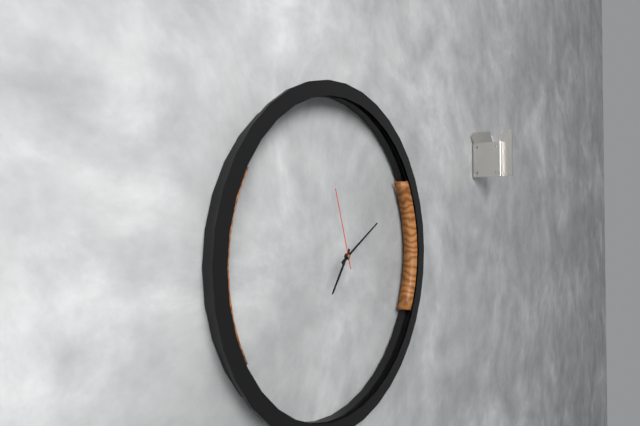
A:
7.10.57
